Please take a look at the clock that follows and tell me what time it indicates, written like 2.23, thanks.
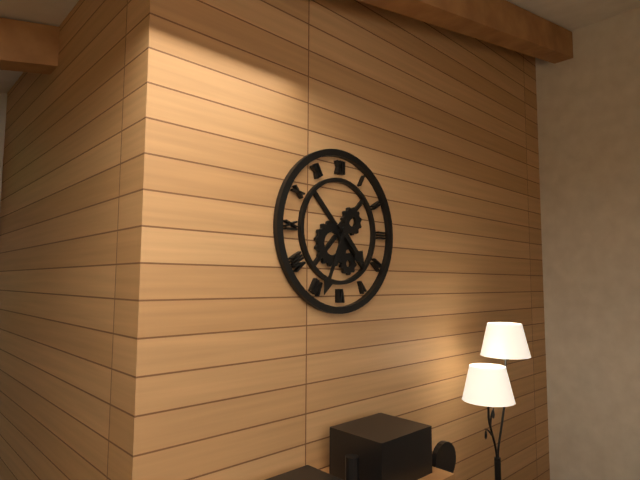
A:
4.34
